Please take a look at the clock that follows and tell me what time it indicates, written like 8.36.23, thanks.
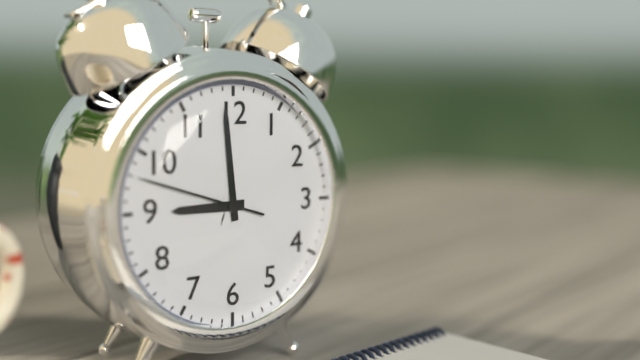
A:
8.59.48
